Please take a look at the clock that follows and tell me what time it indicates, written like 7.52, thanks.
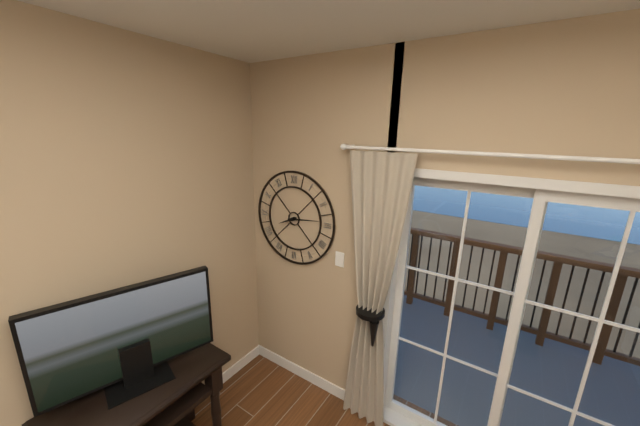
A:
8.14
